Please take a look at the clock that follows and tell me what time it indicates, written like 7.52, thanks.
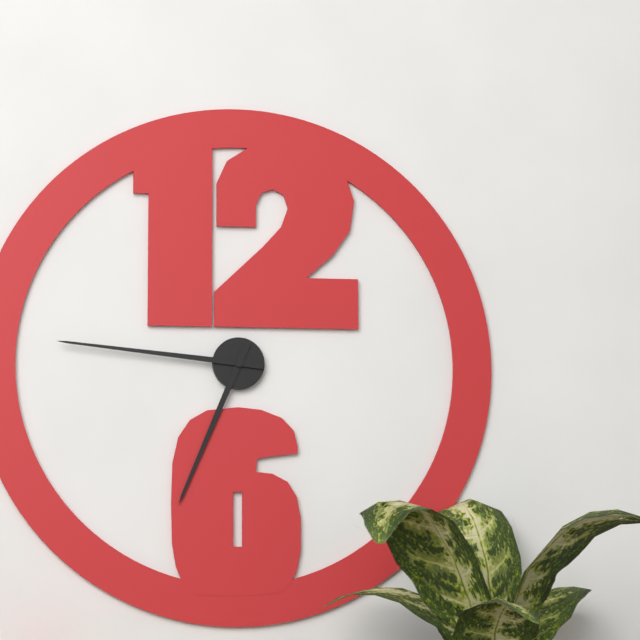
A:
6.46
